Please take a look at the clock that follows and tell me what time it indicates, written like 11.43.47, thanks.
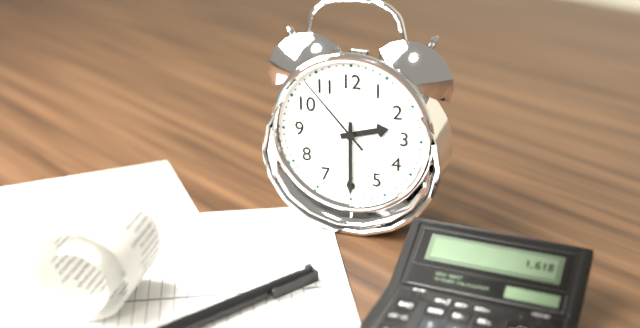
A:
2.30.53
